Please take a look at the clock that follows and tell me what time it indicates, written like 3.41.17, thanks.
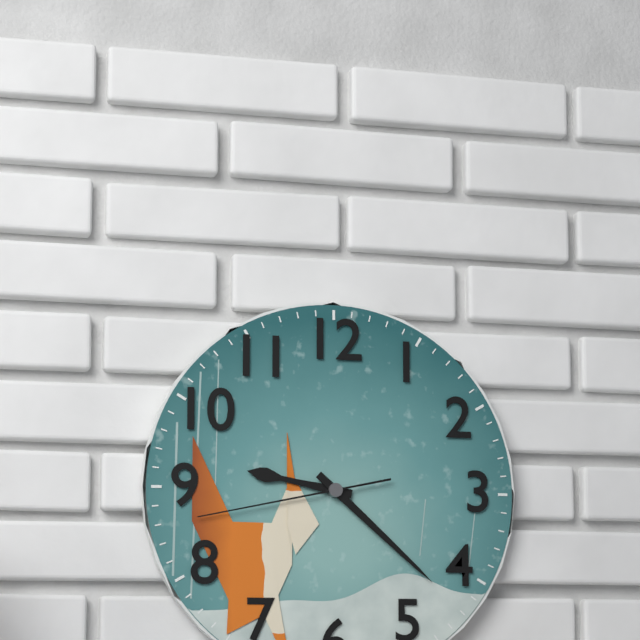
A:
9.22.43
